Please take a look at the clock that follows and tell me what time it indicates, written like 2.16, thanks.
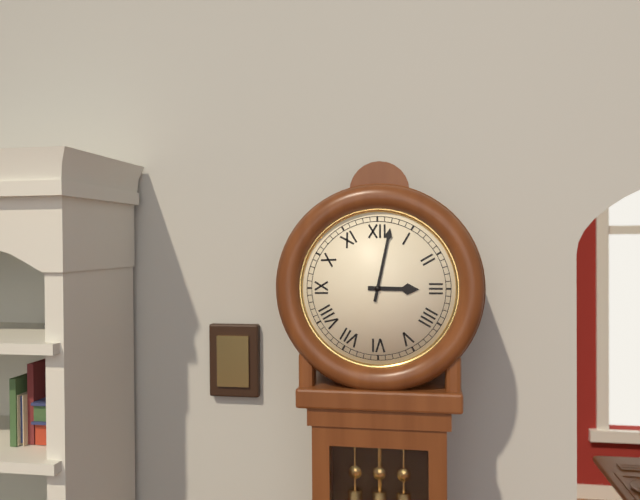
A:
3.02
